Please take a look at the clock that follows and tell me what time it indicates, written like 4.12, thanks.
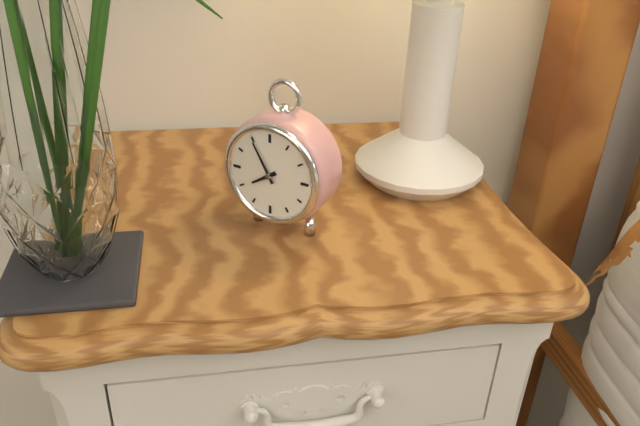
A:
7.55
